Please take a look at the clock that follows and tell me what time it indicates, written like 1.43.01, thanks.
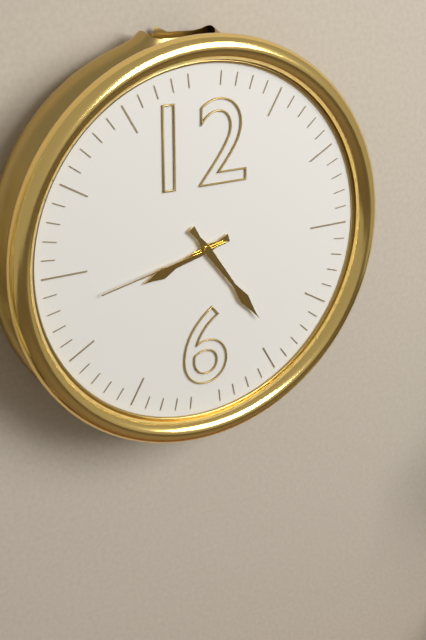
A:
8.24.43
